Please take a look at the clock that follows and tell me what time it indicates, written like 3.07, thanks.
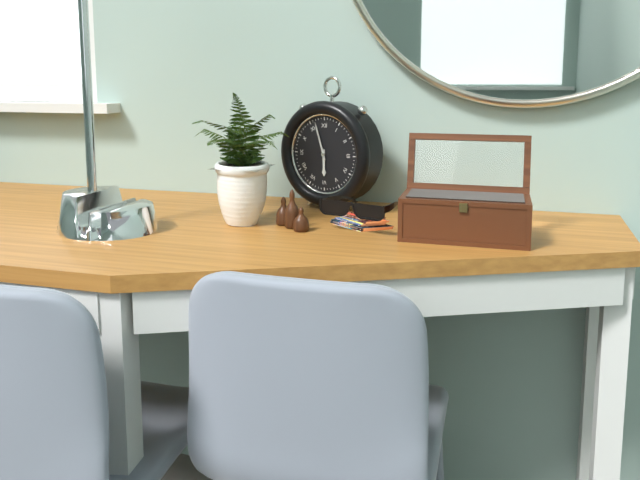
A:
5.57
